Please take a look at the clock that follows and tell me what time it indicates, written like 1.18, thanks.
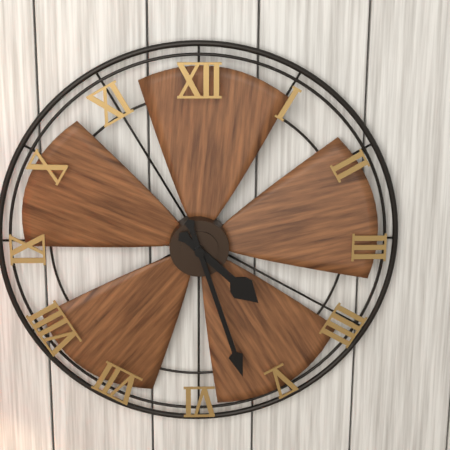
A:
4.27
